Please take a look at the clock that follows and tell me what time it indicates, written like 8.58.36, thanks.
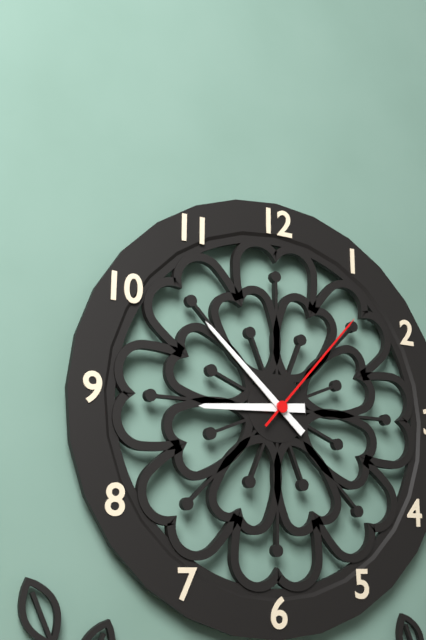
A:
8.52.07
